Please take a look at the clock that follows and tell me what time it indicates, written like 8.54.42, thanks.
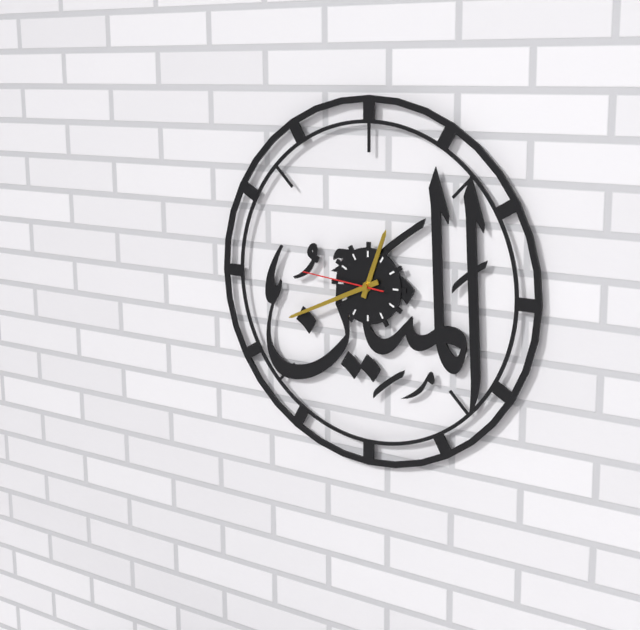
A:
12.41.46
